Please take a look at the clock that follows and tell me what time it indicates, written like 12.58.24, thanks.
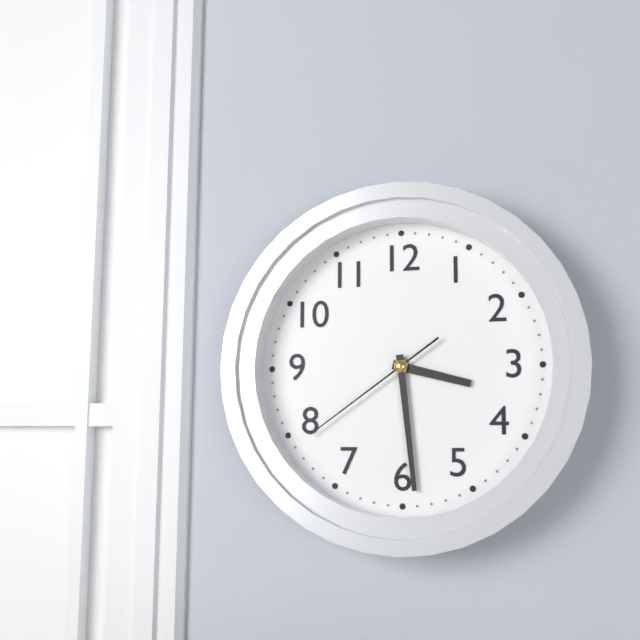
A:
3.29.39
